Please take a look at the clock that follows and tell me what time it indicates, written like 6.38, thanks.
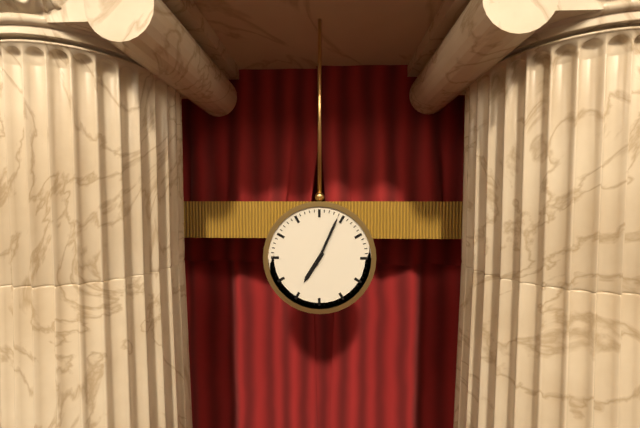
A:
7.04
